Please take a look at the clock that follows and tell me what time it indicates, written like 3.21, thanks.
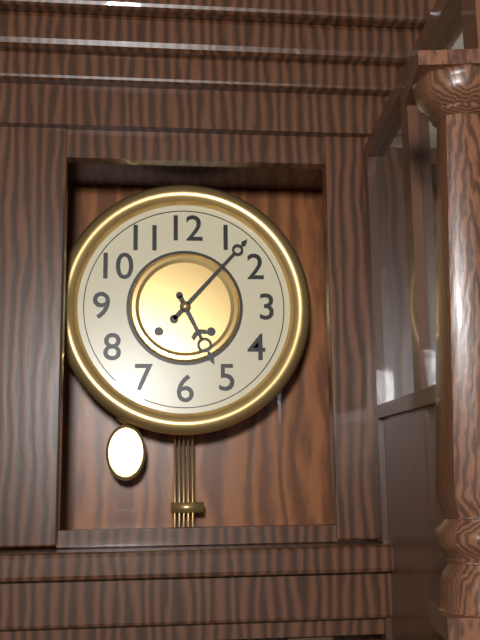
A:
5.07
